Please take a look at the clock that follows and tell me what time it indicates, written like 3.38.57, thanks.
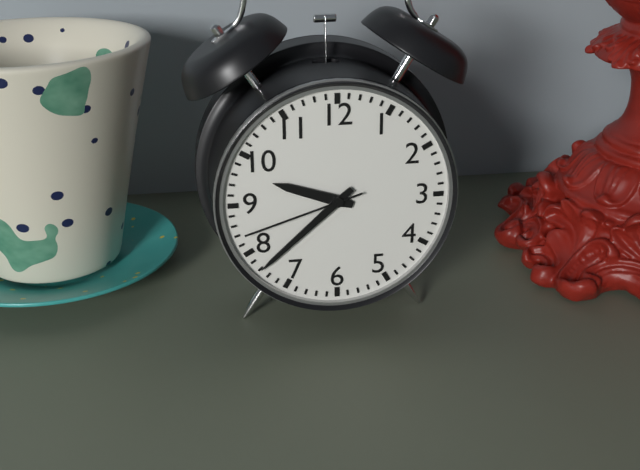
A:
9.38.42
